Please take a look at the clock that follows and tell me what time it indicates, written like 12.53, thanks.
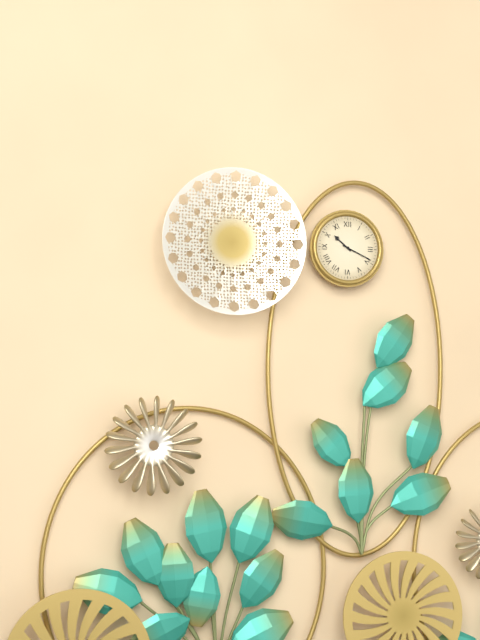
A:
10.19
